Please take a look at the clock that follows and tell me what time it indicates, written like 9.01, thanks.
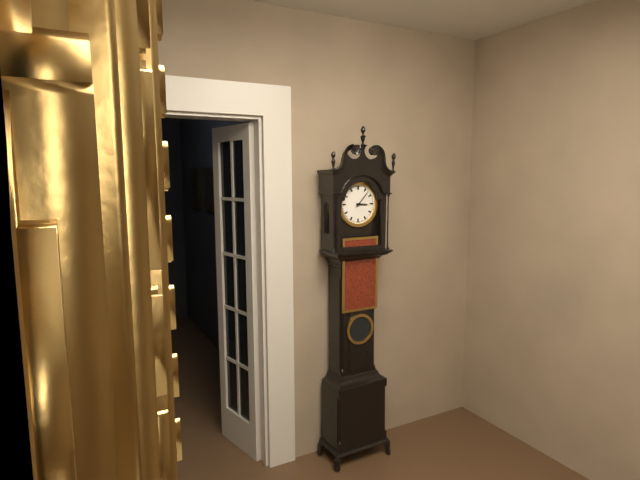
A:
3.07
